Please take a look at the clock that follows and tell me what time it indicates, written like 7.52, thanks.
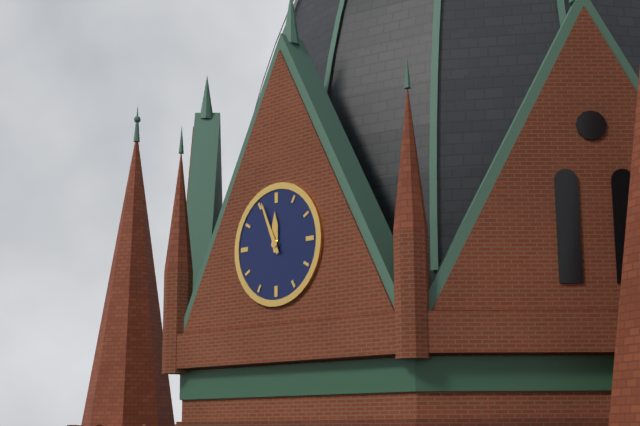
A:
11.56
